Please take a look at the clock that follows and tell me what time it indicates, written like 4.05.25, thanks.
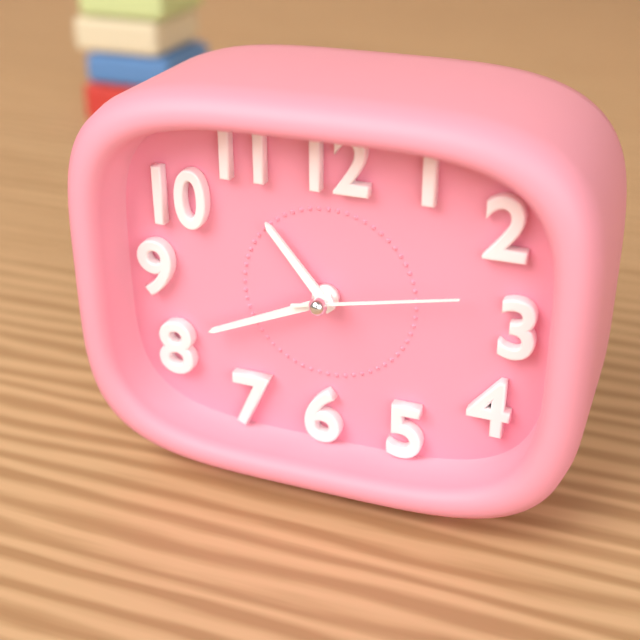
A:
10.41.13
